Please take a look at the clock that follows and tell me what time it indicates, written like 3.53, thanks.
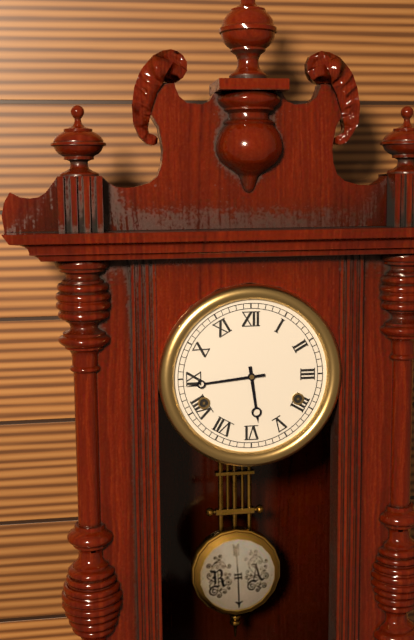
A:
5.44
